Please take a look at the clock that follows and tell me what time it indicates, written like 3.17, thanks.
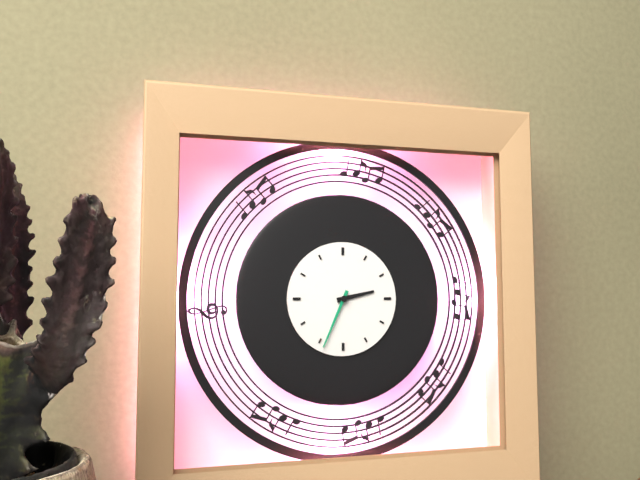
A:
2.34
